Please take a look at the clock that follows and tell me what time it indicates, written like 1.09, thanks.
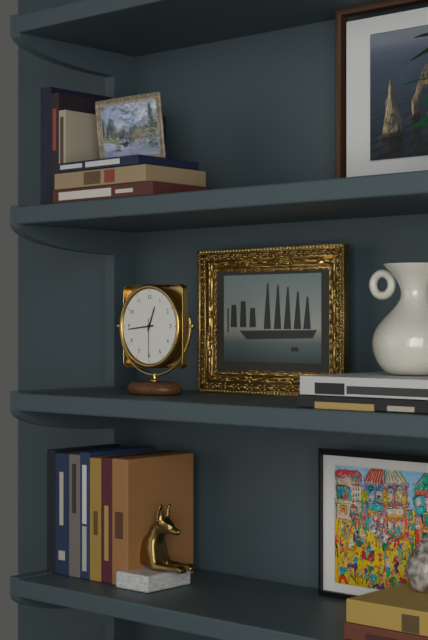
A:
12.44
